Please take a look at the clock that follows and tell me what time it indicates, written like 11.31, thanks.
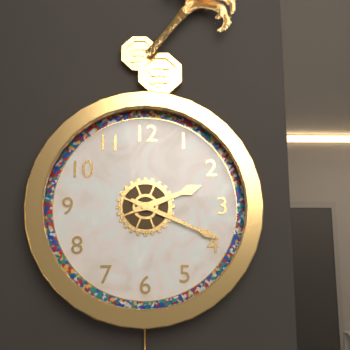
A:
2.19
